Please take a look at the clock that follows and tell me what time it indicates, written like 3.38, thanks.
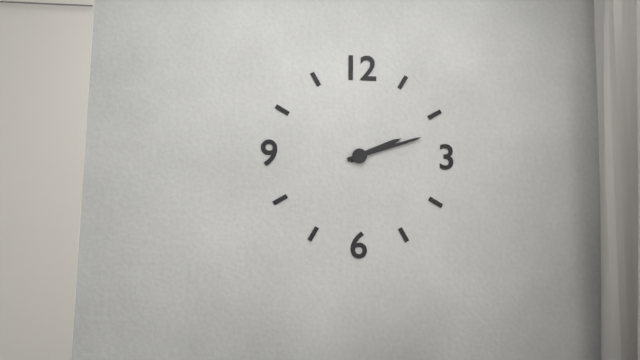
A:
2.12
